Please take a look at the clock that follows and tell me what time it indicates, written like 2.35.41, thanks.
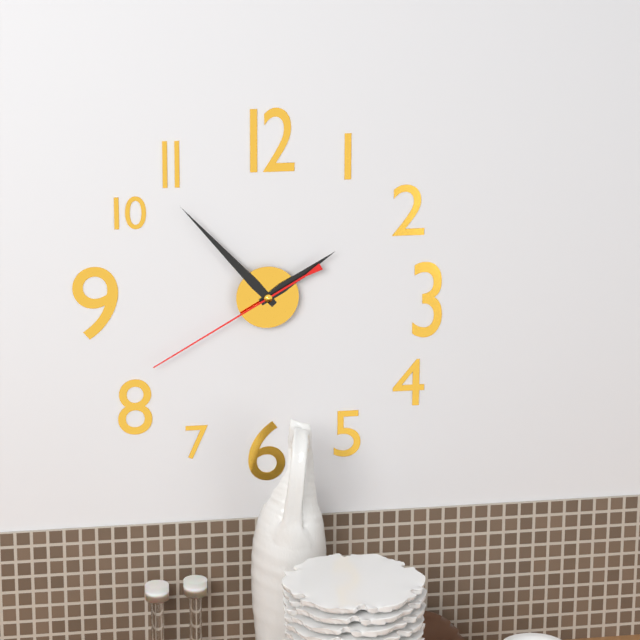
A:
1.53.40
